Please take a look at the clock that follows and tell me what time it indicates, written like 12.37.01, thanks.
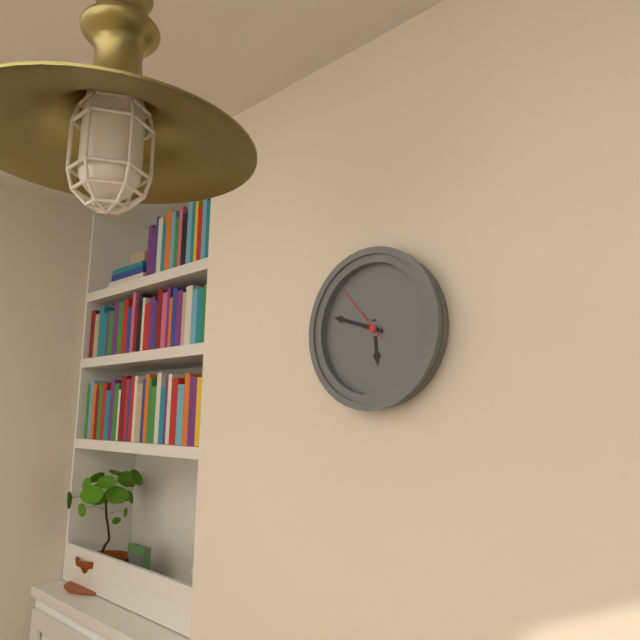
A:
5.48.53
